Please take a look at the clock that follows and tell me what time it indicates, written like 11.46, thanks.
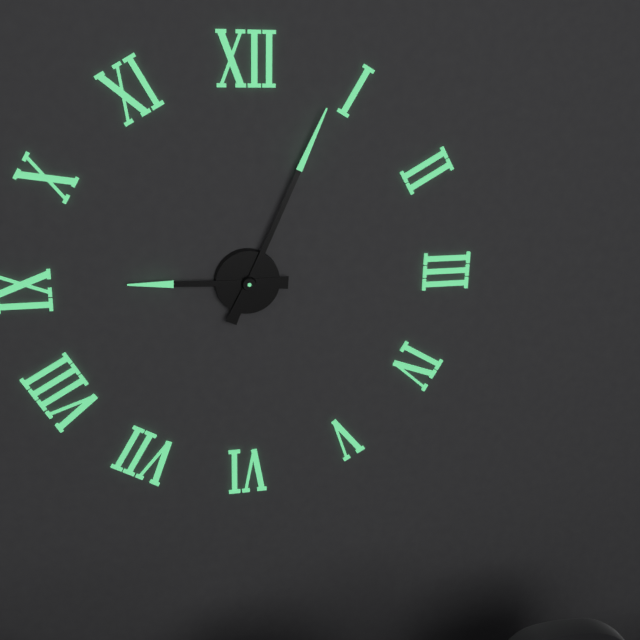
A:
9.04
